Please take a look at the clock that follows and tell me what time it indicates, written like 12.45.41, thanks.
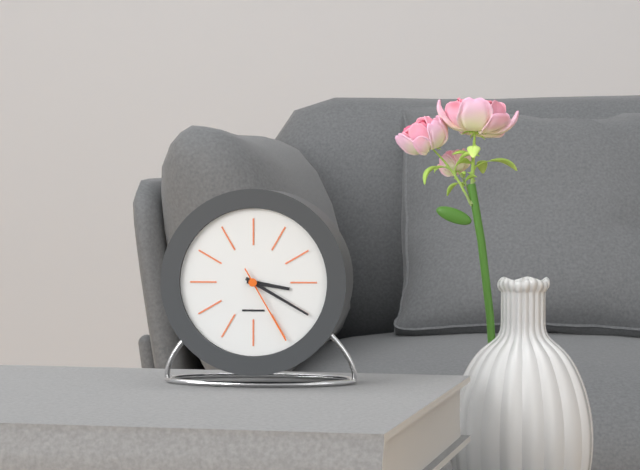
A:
3.20.25
